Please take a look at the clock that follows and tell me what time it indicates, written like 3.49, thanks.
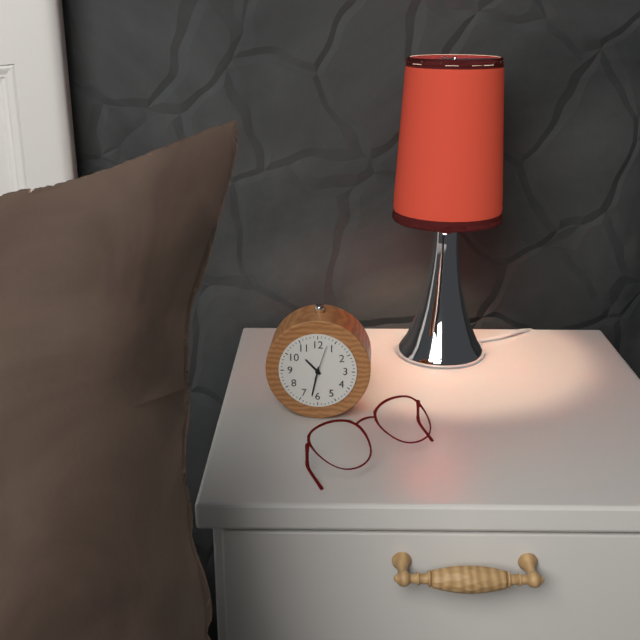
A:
10.32
